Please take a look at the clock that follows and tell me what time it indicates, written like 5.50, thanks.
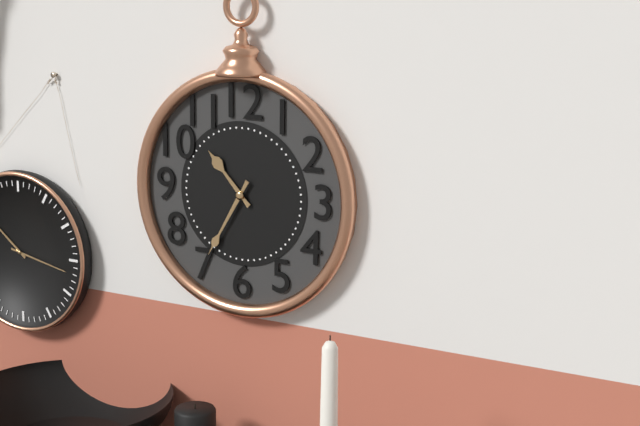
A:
10.35
